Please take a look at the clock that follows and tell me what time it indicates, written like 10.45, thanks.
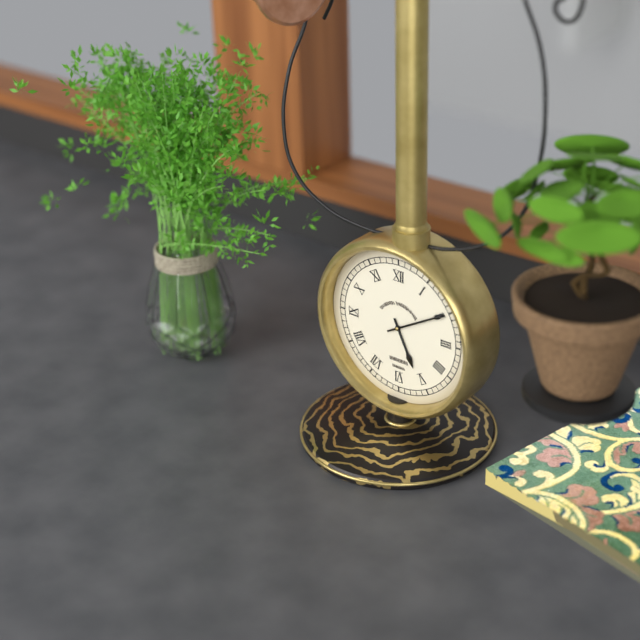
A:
5.10
